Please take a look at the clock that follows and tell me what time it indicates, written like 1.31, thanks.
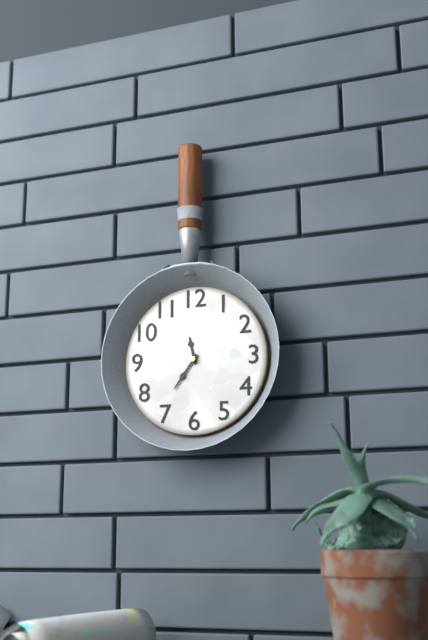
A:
11.36
